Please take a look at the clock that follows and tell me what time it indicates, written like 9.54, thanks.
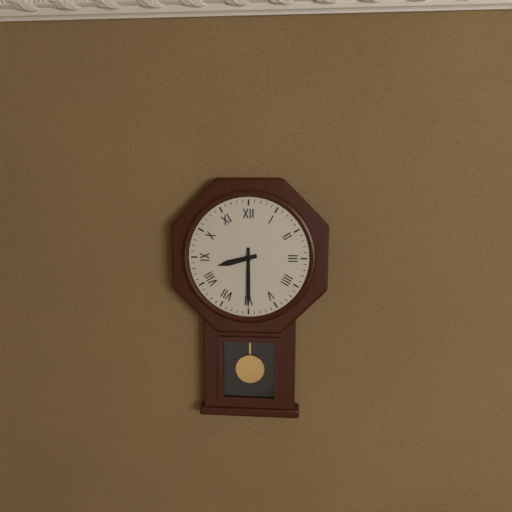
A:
8.30
